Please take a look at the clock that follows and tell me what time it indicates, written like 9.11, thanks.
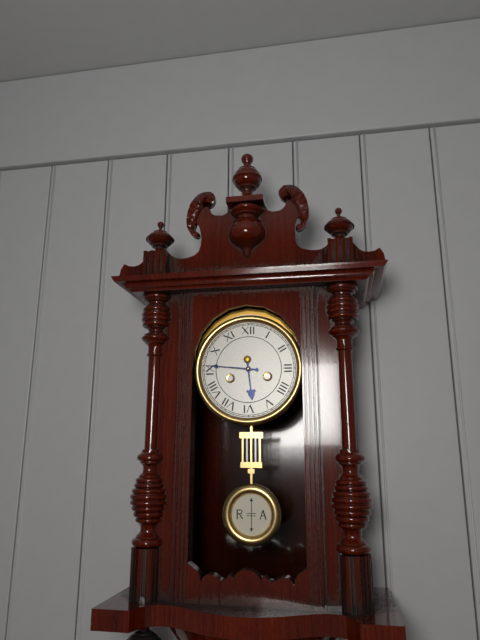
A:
5.46
